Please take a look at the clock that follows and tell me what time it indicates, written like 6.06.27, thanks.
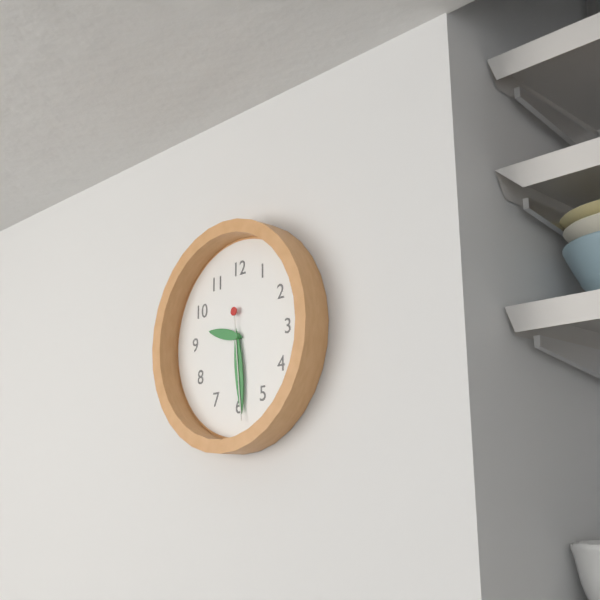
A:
9.29.29
